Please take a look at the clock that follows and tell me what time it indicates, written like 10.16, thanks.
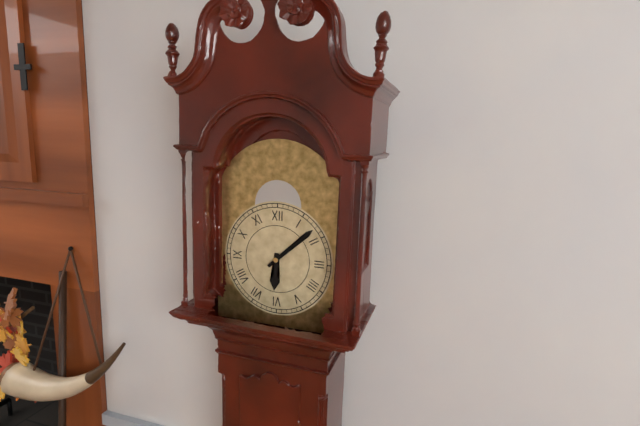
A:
6.08
